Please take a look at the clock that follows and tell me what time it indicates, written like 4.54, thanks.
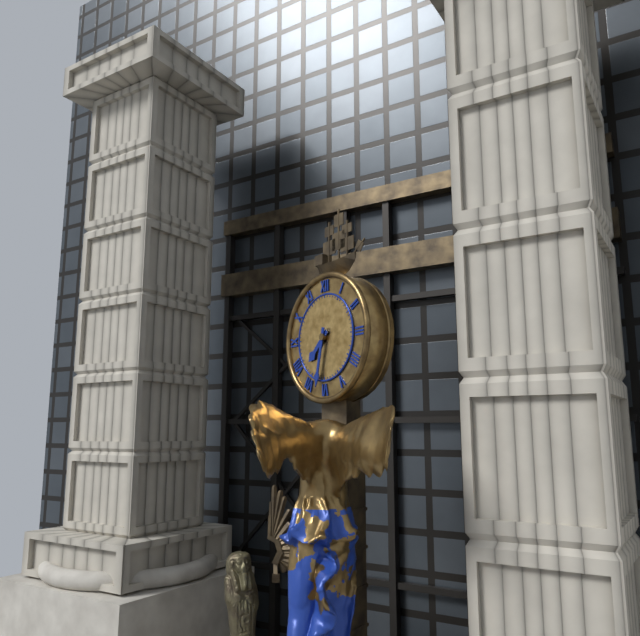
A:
7.32
